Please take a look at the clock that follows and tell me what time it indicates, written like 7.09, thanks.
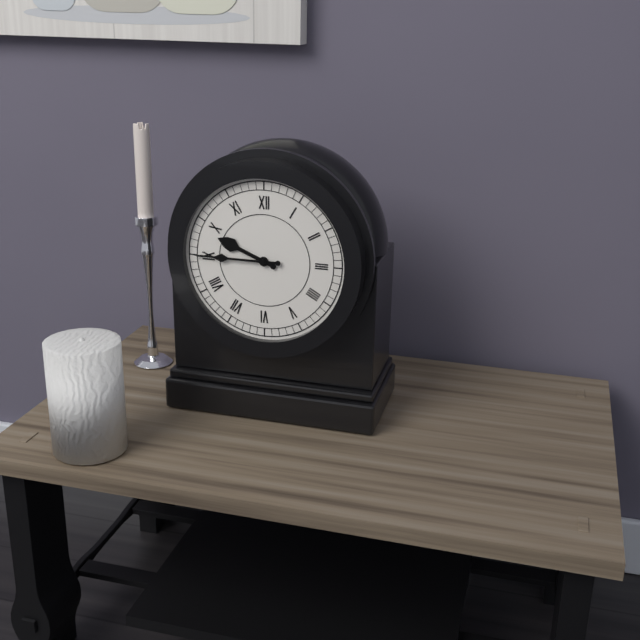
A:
9.45
